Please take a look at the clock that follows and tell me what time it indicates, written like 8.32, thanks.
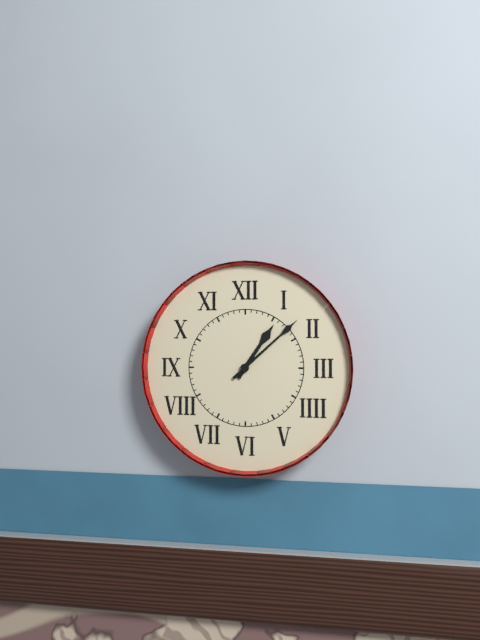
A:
1.08
